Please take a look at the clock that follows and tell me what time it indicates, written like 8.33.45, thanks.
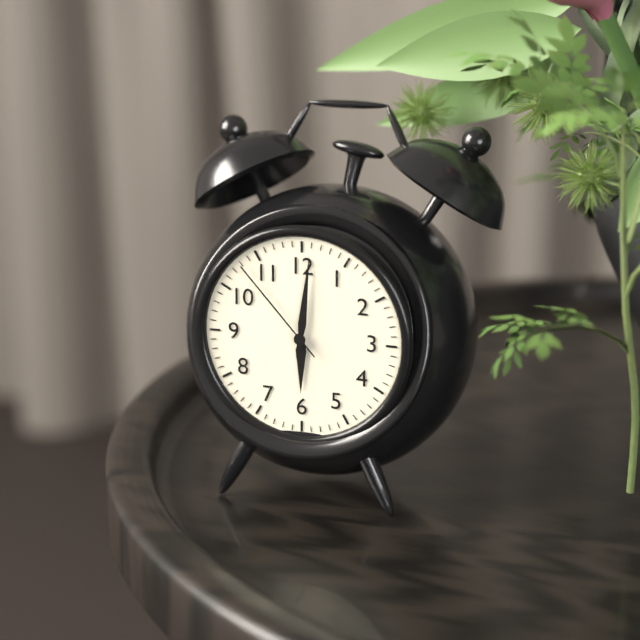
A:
6.01.53
